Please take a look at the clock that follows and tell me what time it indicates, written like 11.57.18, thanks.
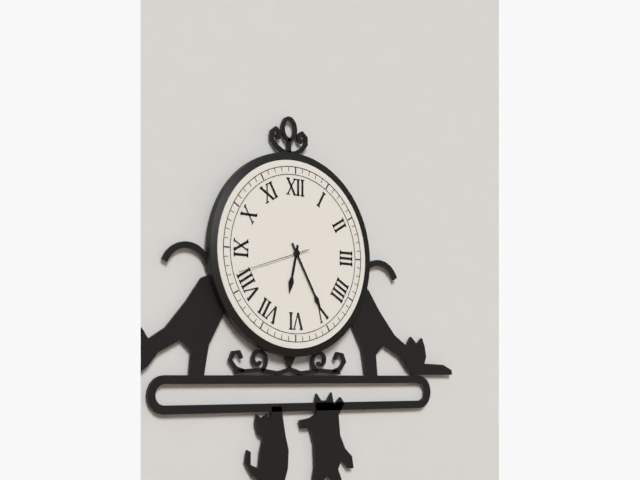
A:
6.25.42
